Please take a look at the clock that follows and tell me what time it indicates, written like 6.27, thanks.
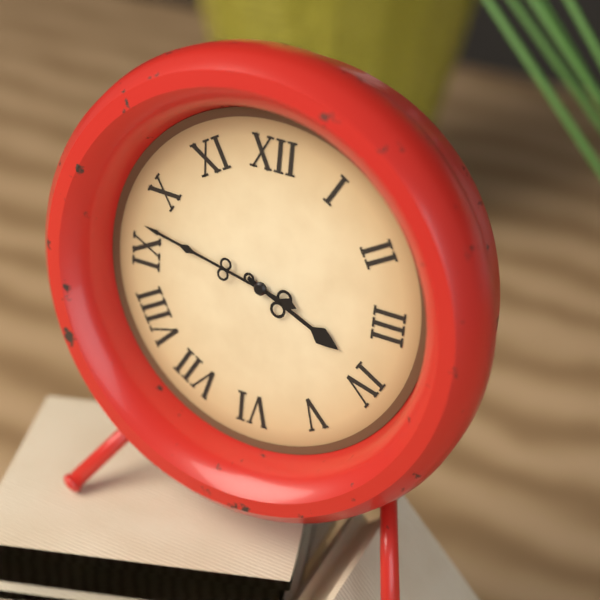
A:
3.47
